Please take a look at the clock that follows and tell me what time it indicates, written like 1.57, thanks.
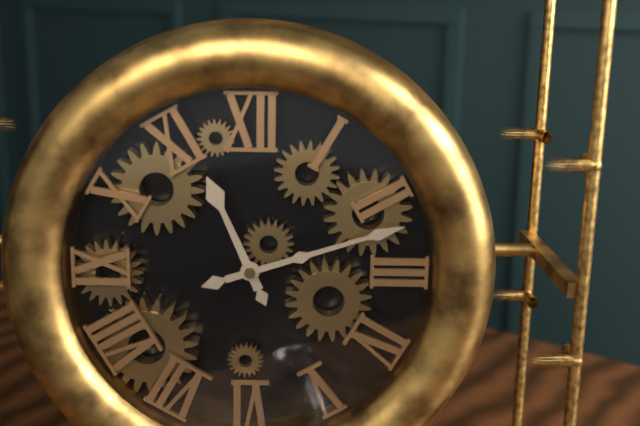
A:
11.12
